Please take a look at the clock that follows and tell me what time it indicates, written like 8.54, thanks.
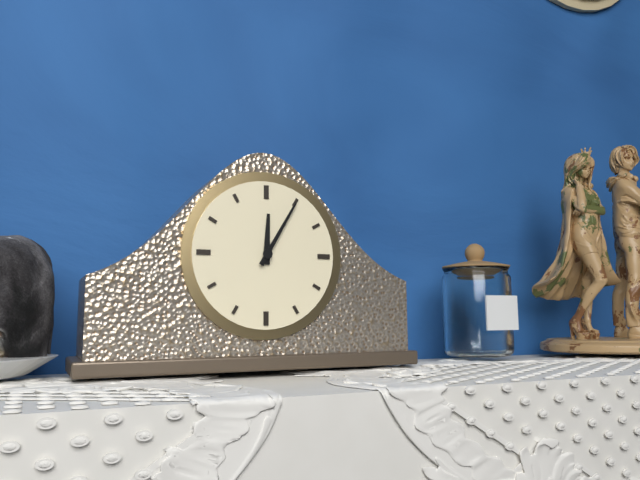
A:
12.05
